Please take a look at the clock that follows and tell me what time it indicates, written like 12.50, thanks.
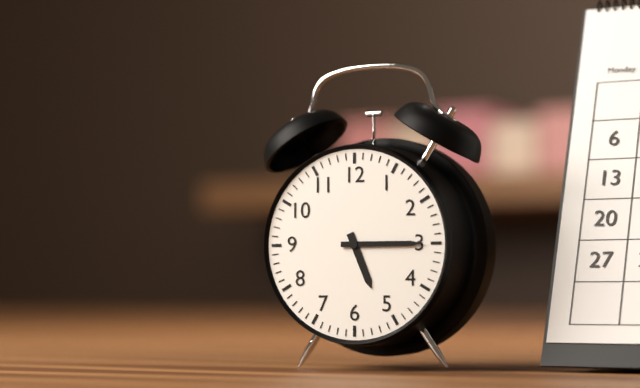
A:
5.15
